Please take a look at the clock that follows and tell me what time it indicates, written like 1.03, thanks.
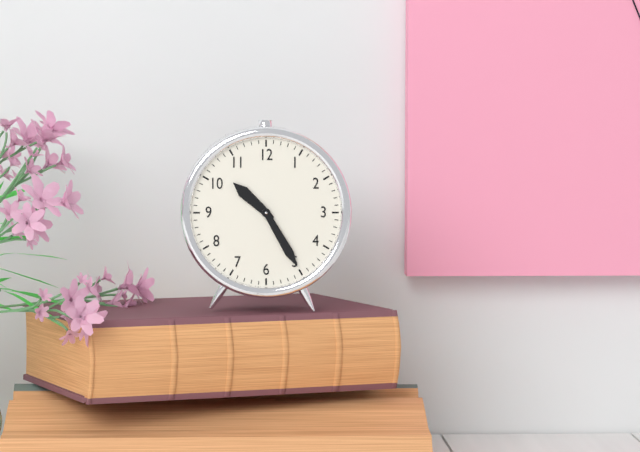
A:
10.25
